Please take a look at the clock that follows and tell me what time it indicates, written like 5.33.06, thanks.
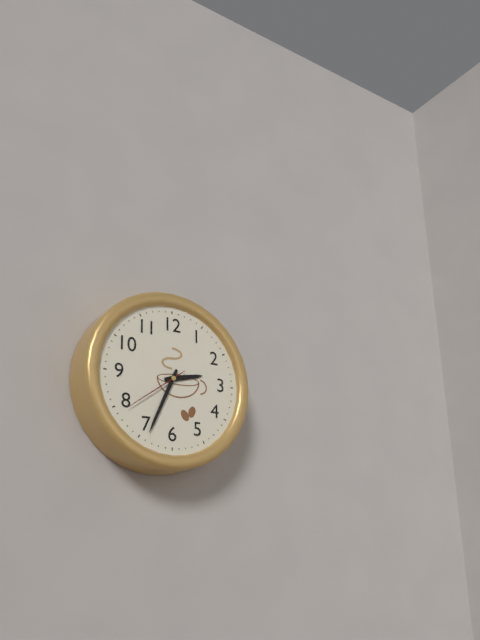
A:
2.34.39
